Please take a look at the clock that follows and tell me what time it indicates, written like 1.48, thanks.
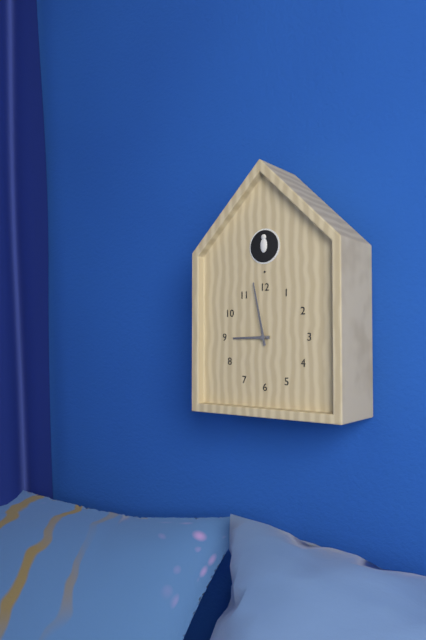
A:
8.58
